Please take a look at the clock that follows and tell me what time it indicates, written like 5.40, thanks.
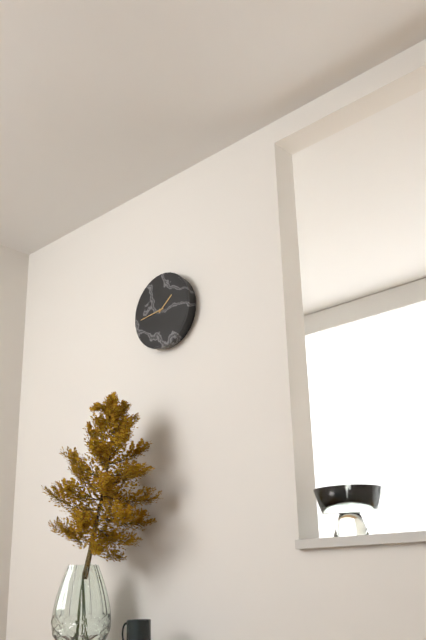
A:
1.44
